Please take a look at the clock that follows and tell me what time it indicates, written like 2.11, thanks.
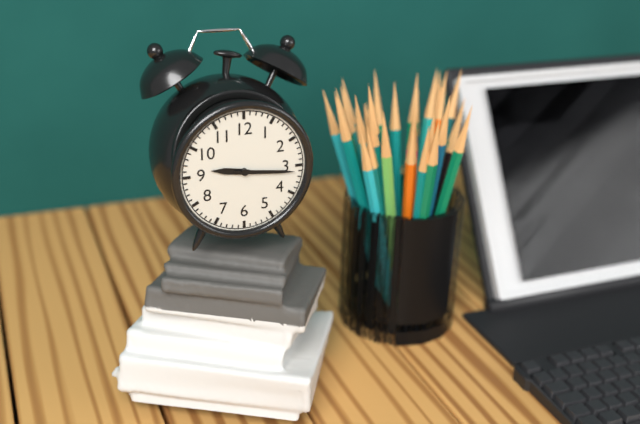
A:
9.16
